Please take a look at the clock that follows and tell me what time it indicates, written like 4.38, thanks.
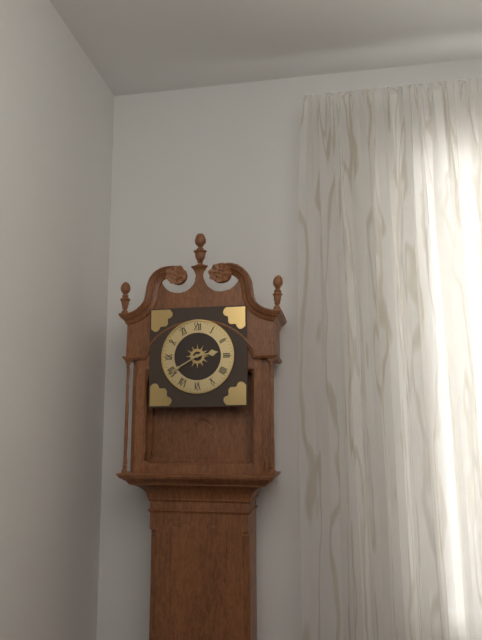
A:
2.40
